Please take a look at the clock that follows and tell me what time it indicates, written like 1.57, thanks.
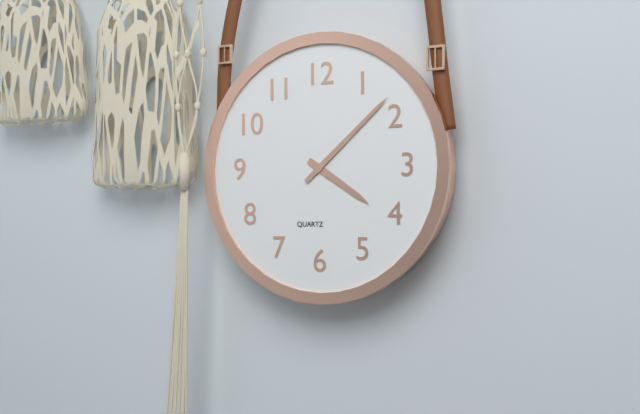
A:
4.08
